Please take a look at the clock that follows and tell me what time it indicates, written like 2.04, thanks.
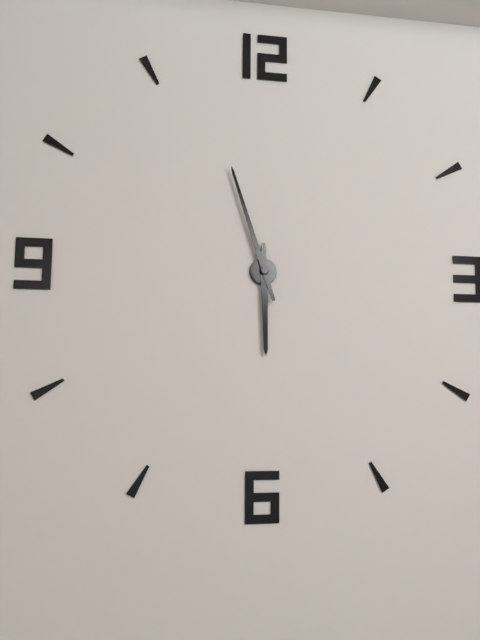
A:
5.57
